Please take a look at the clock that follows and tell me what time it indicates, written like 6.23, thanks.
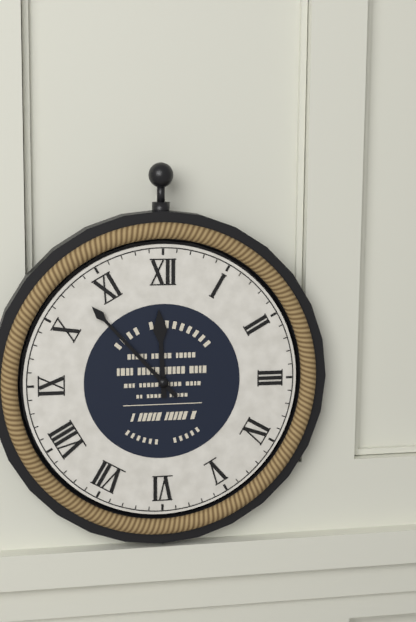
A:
11.53
